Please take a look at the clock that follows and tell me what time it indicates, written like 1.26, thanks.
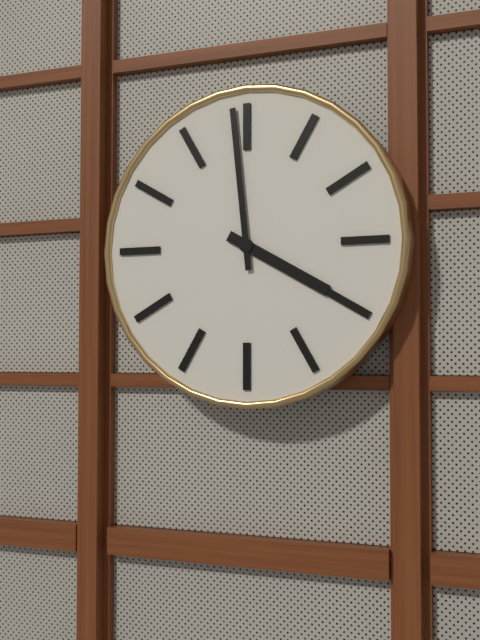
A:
3.59
